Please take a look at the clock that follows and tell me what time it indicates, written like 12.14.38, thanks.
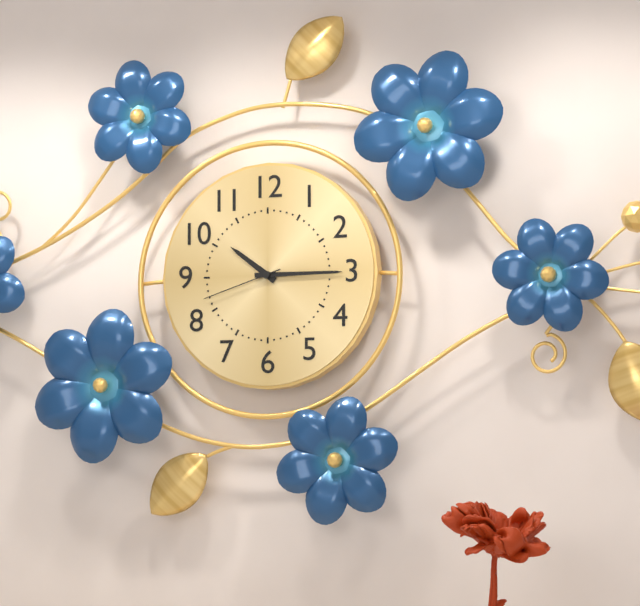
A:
10.15.42
